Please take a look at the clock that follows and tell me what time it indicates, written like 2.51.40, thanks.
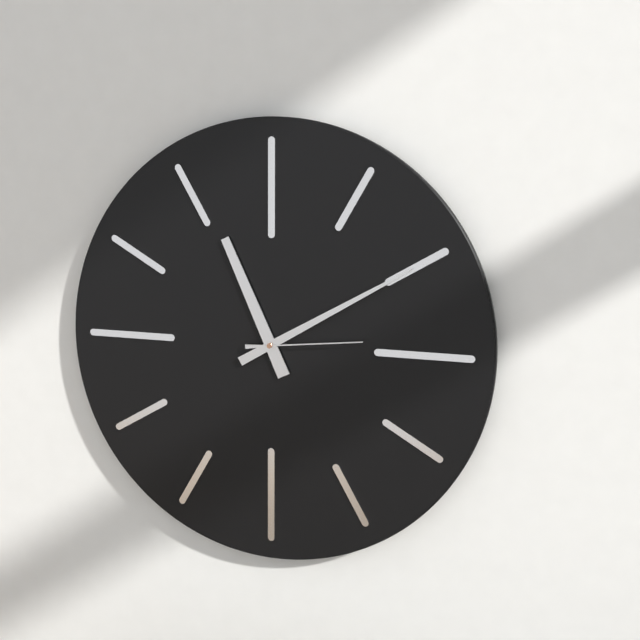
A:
11.10.14
